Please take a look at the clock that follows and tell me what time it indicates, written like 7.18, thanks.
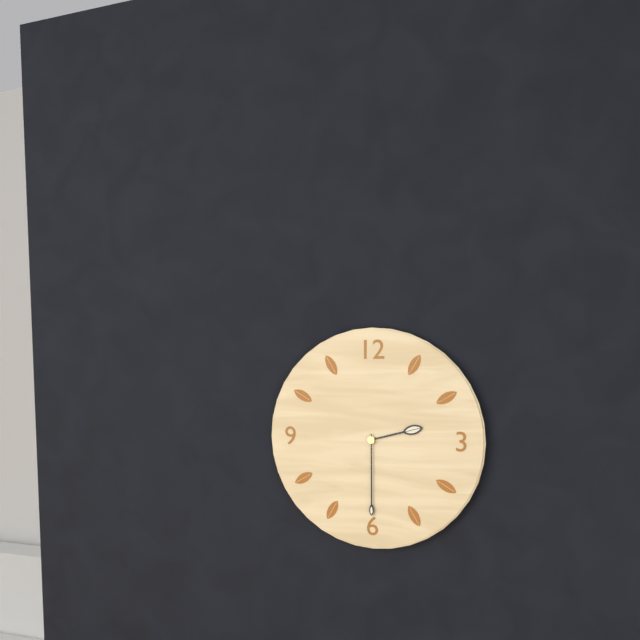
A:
2.30
